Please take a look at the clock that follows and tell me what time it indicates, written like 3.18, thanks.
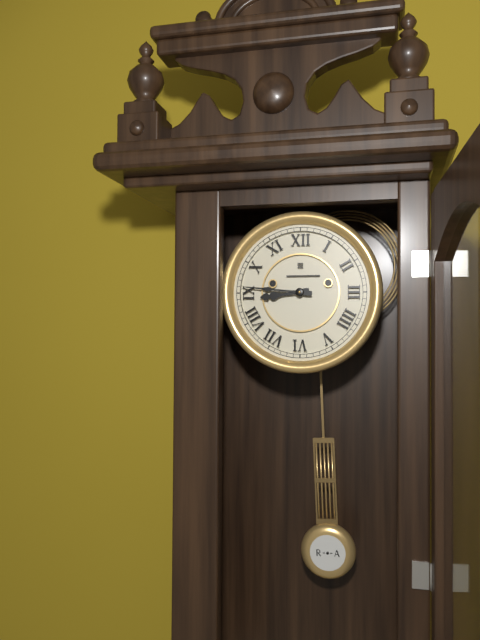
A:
8.46
